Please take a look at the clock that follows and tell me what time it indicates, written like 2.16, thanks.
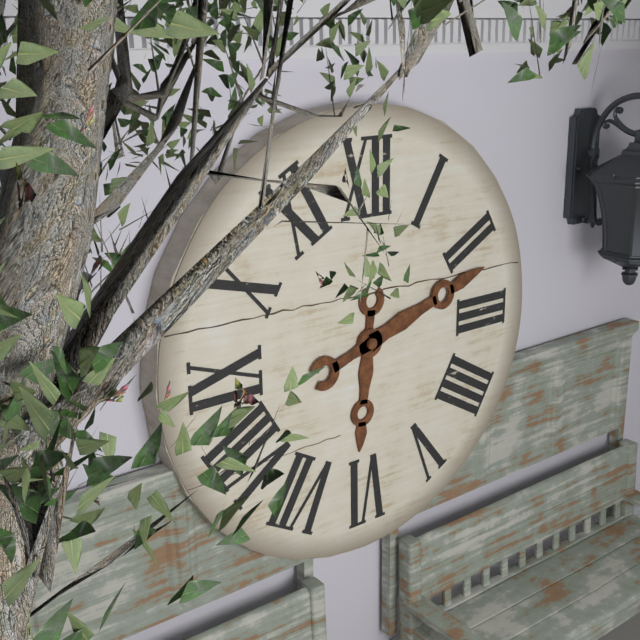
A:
6.12
